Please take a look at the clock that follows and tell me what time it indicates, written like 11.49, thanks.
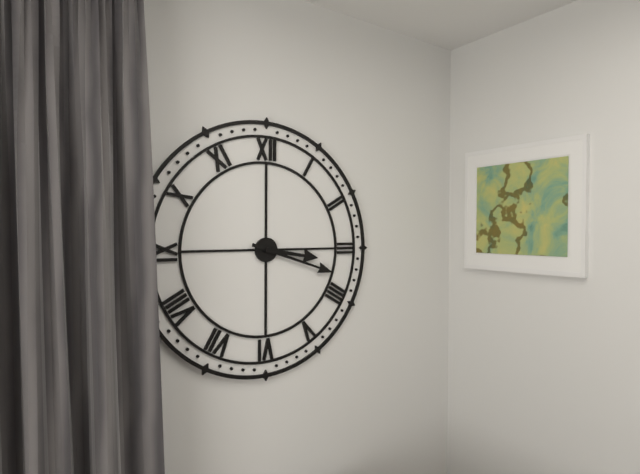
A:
3.18
